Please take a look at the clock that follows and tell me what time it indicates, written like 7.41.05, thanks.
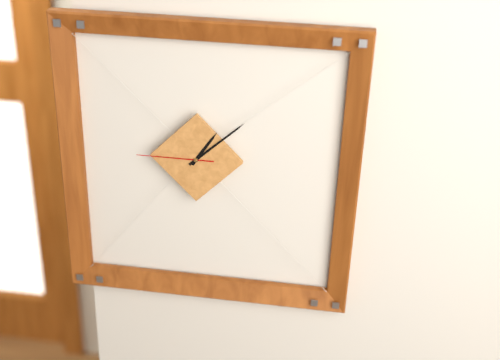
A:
1.08.45
